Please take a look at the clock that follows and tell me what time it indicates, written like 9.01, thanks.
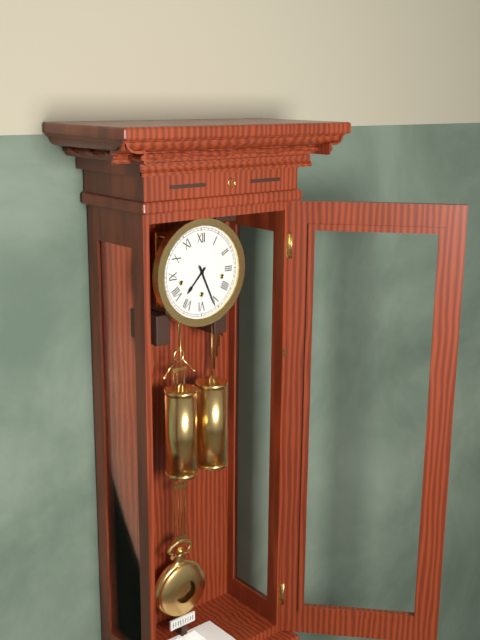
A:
7.26
